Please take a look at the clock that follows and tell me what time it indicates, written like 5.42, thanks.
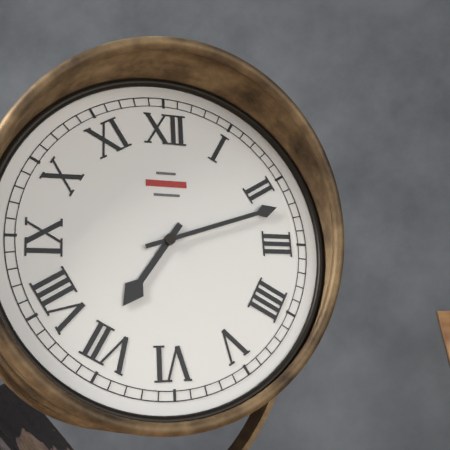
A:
7.12
